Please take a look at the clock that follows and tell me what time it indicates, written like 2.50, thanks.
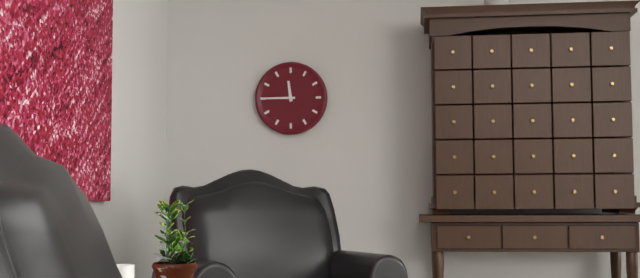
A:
11.45
